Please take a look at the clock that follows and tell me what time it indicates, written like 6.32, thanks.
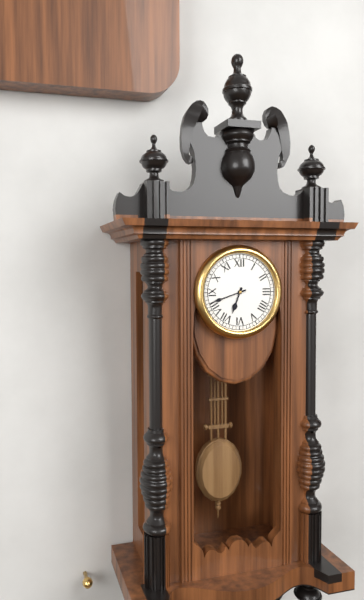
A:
6.42
